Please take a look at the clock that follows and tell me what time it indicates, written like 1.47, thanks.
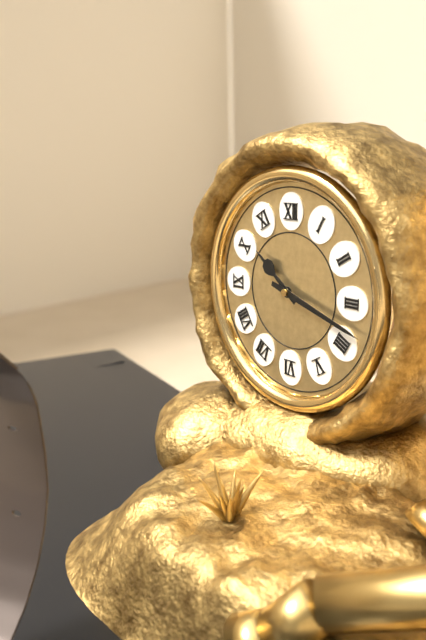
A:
10.18
